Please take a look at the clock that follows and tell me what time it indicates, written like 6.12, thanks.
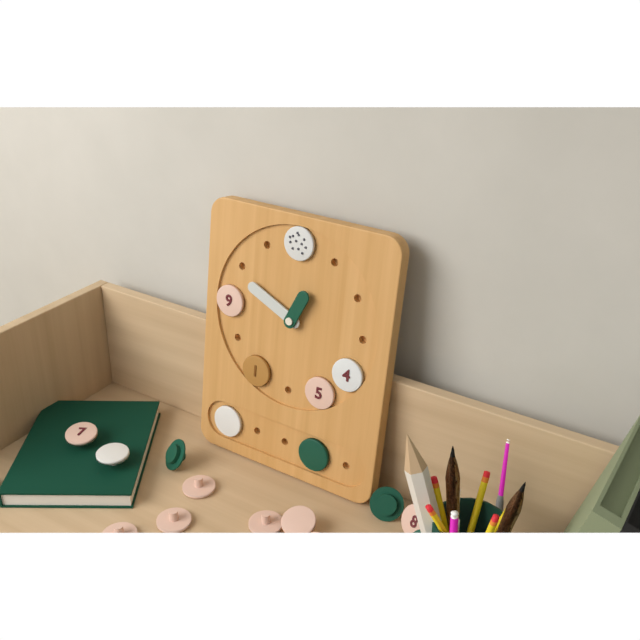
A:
12.49
